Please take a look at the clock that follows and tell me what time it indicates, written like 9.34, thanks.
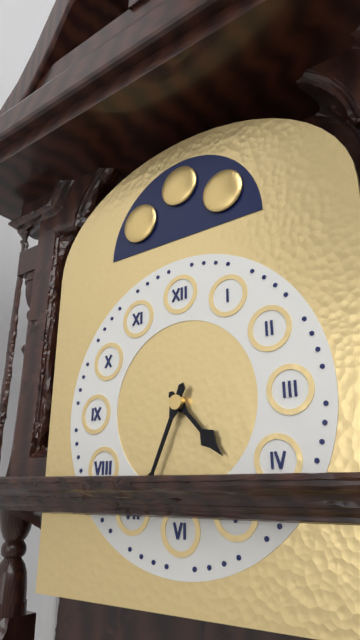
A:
4.34
